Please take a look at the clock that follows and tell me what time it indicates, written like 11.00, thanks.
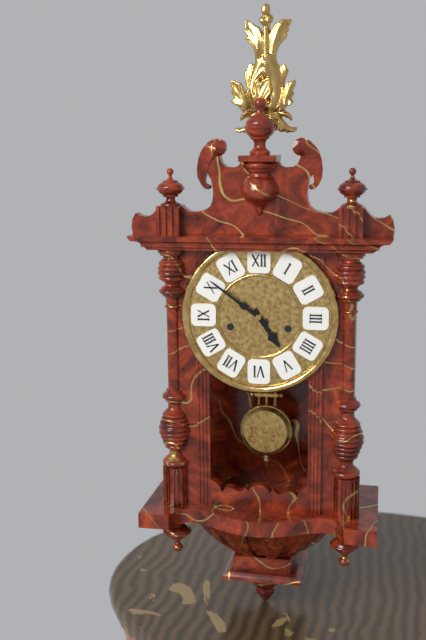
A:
4.51
